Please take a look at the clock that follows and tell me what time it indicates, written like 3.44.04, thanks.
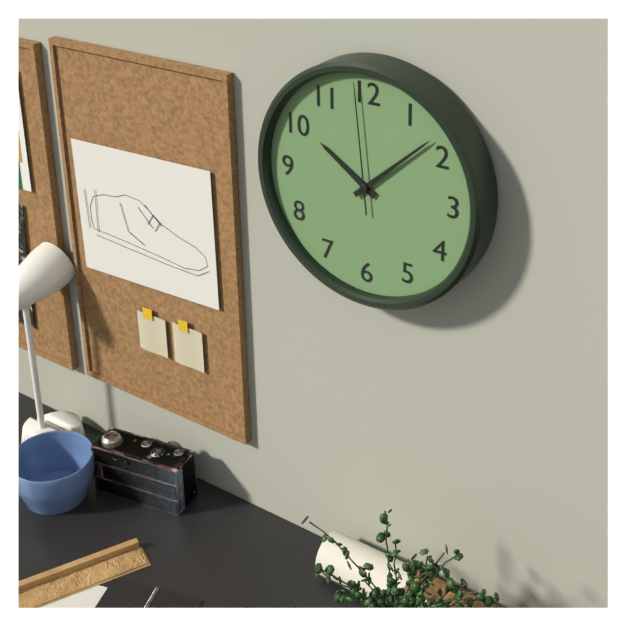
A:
10.08.59
